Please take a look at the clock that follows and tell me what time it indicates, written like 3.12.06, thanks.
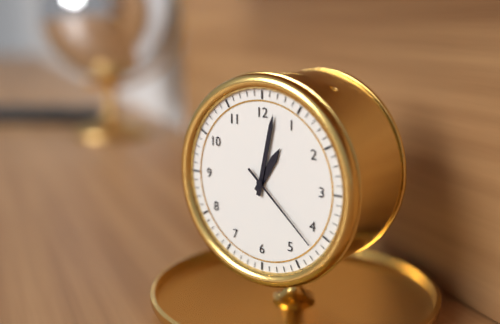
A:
1.02.22
